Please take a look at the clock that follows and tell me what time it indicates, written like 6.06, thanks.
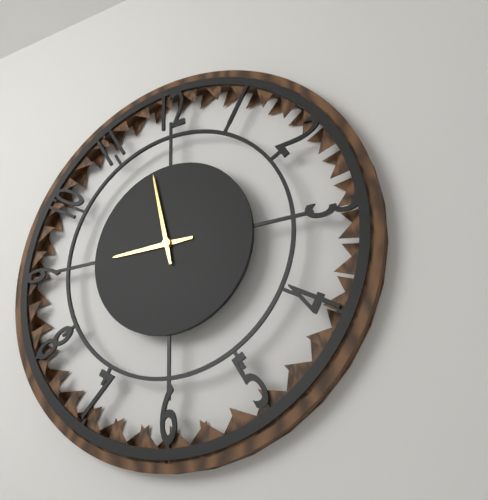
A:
8.58
